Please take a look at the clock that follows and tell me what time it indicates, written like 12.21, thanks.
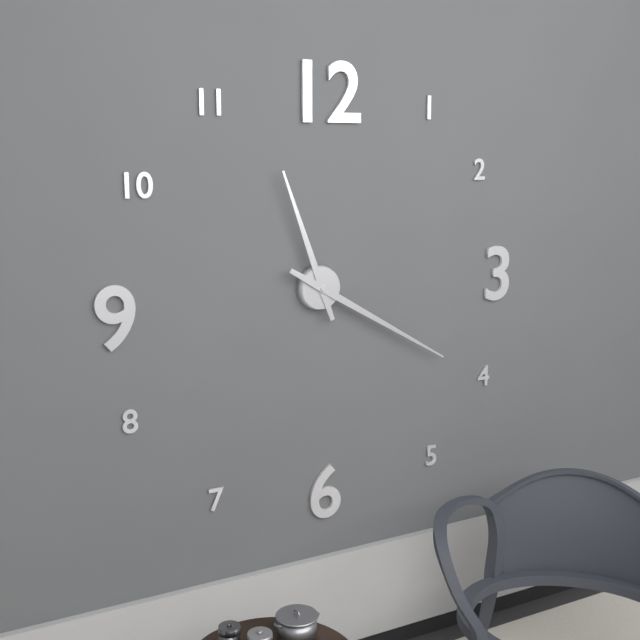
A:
11.20
